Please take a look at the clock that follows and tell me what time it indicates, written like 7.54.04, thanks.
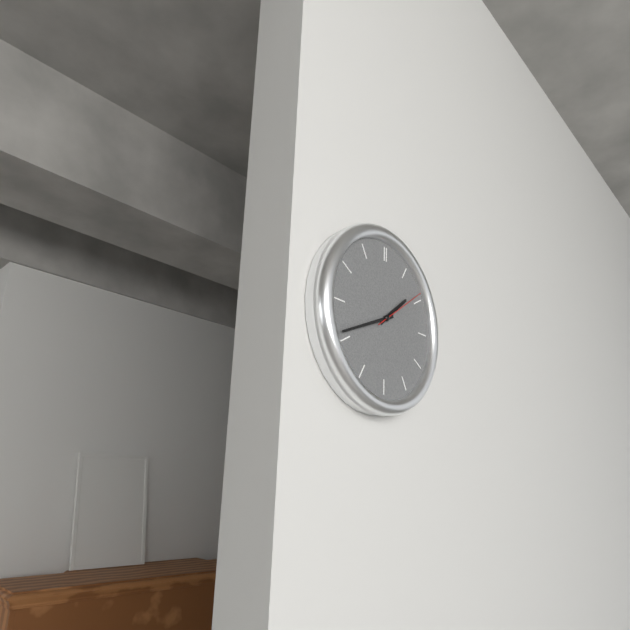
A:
1.41.09
